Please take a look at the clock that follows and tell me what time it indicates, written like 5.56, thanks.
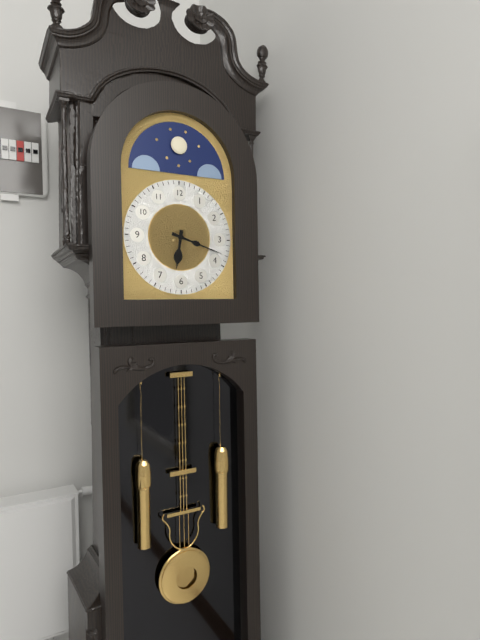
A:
6.18
